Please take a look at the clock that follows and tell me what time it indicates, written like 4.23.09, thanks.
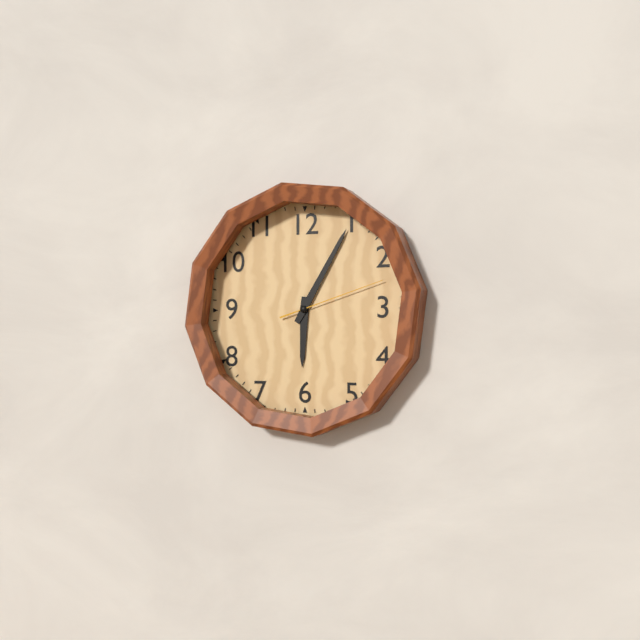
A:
6.05.12
